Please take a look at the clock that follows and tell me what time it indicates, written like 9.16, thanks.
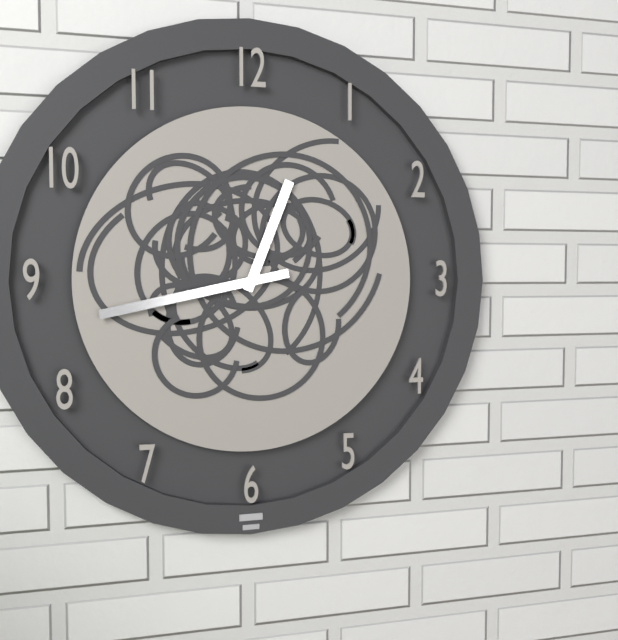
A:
12.43
